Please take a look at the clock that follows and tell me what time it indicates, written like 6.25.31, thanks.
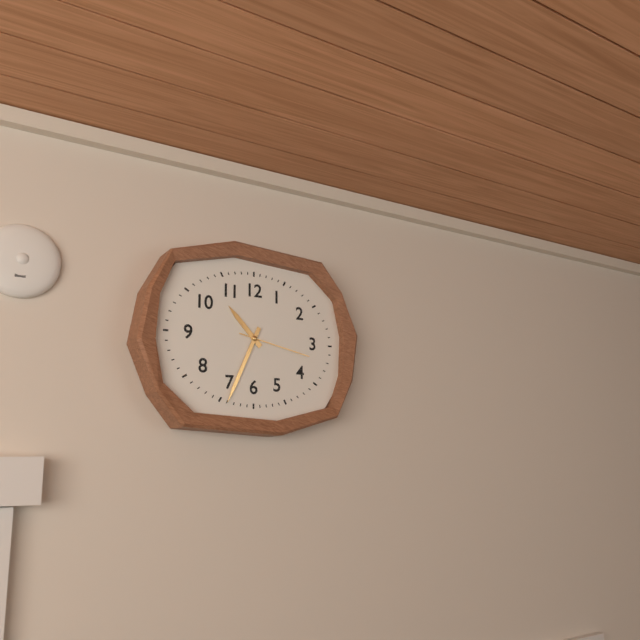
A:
10.34.17
